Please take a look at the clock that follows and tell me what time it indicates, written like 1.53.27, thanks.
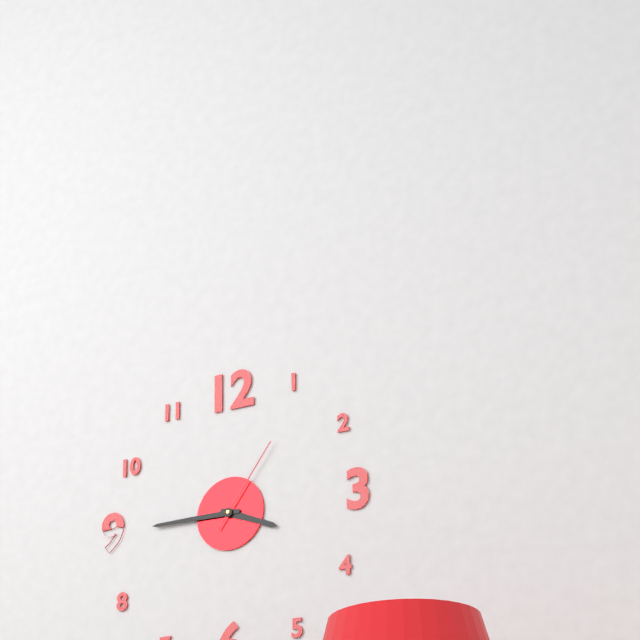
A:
3.45.06
